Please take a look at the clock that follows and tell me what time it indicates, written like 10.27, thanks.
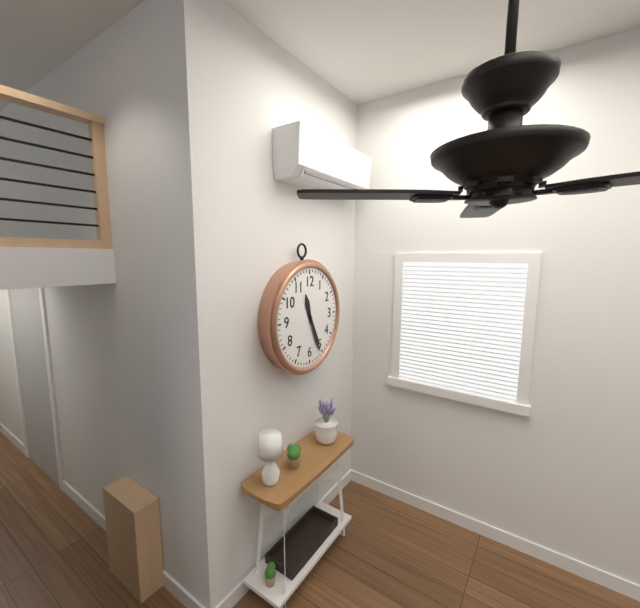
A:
11.26
